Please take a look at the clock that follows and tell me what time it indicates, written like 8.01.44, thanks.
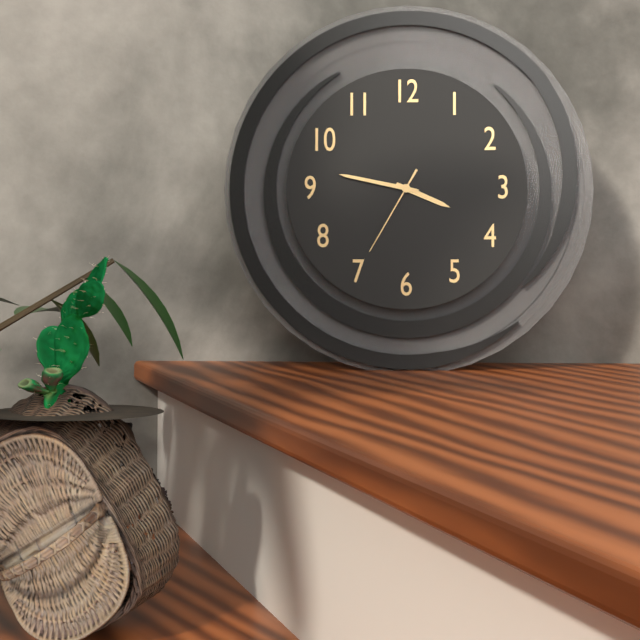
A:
3.47.35
